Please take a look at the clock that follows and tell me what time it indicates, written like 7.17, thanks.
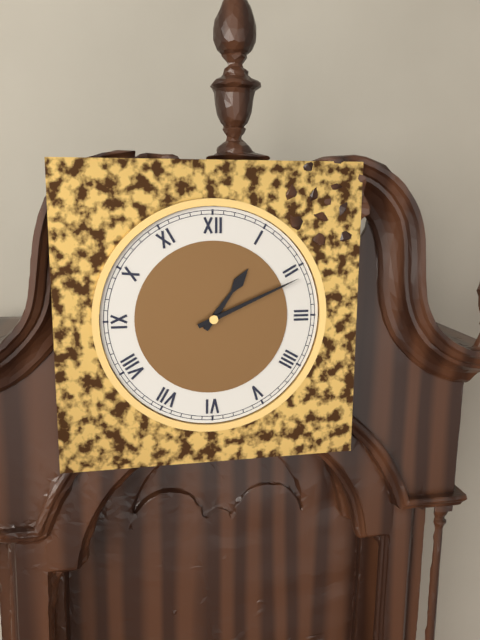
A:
1.11
